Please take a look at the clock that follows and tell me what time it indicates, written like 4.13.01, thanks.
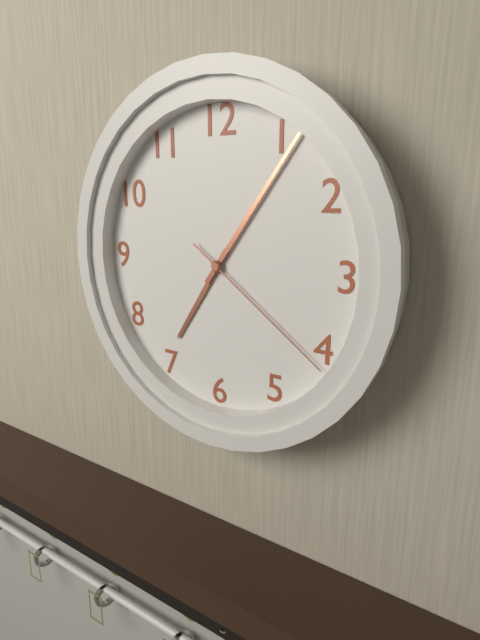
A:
7.06.21
